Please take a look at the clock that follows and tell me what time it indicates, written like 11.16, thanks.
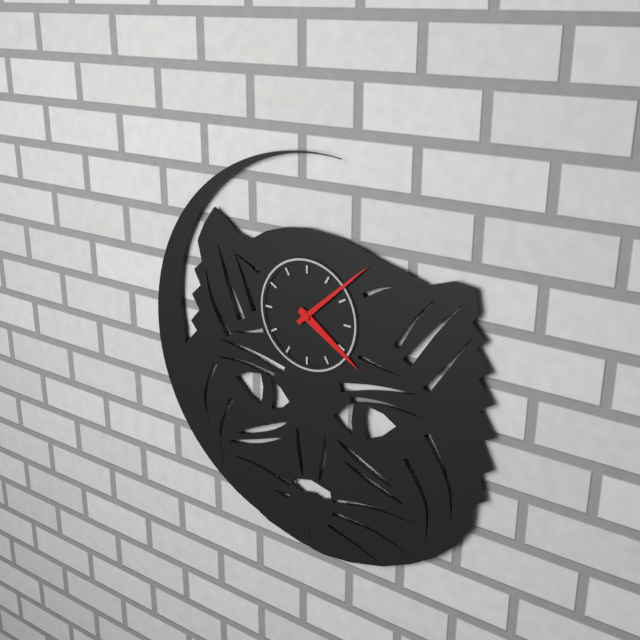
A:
4.08
